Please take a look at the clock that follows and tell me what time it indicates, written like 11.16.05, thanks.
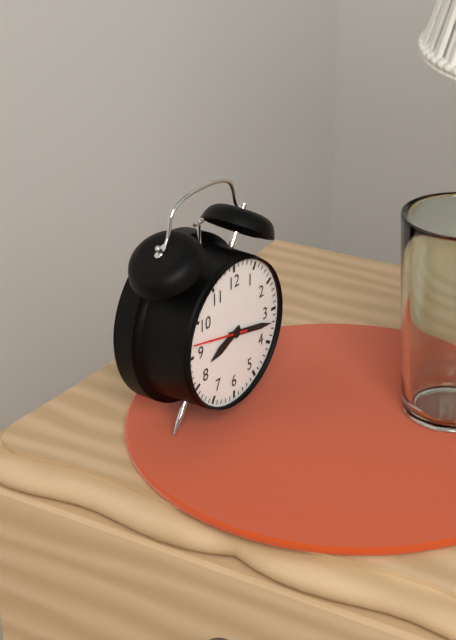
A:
8.17.47
